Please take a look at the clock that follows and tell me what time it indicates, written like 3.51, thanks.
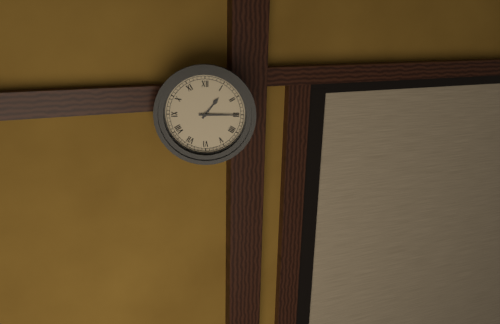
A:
1.15
